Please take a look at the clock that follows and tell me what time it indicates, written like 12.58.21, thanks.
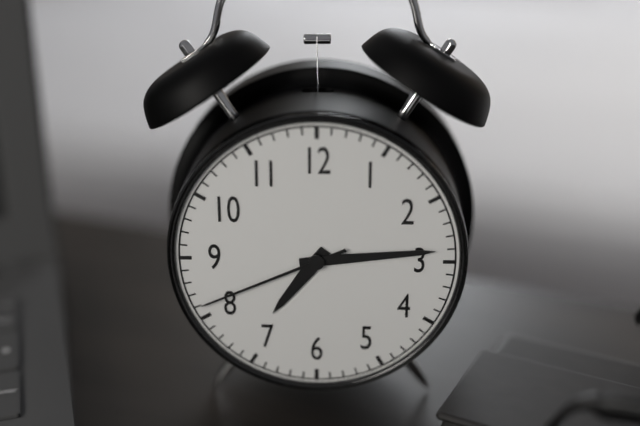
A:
7.14.41
